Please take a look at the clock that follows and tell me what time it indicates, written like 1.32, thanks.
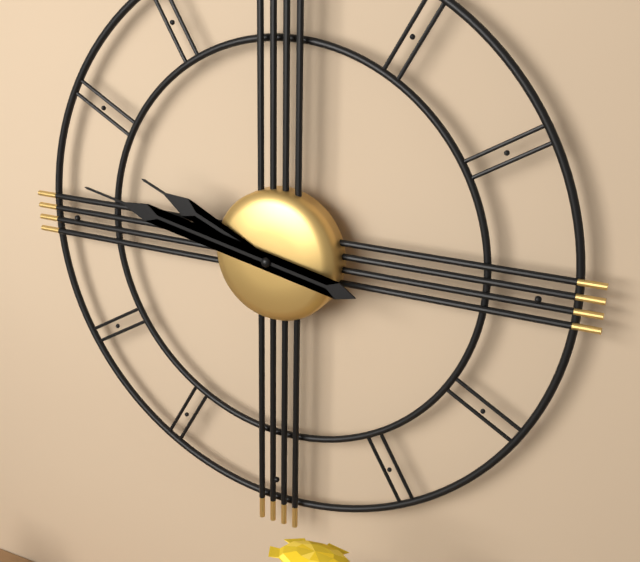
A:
9.47
